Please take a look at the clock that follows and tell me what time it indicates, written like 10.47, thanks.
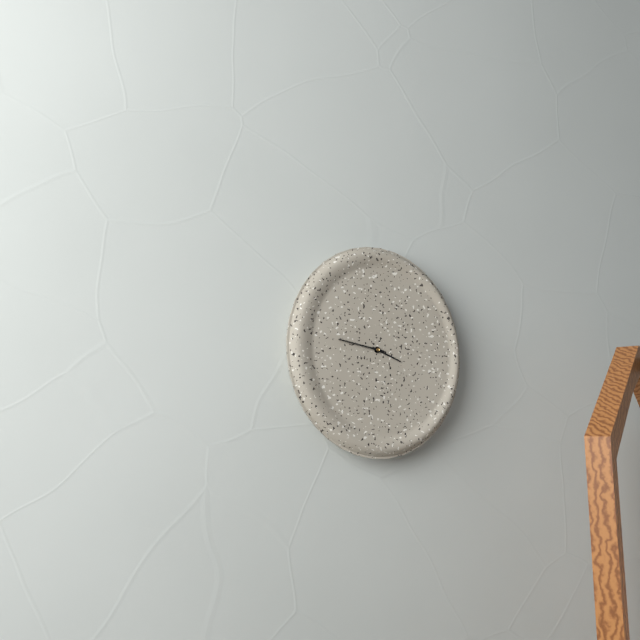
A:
3.47
